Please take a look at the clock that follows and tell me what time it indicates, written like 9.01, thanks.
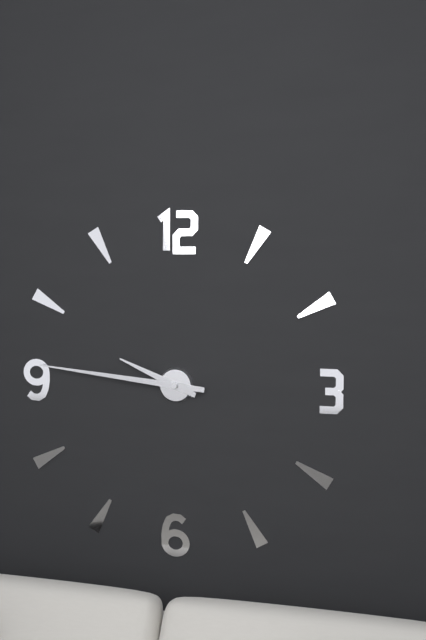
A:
9.46
